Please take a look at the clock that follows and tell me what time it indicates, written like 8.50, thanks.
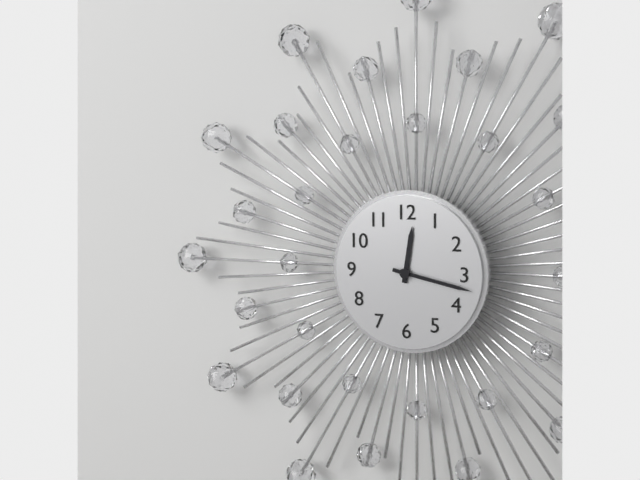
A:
12.17
